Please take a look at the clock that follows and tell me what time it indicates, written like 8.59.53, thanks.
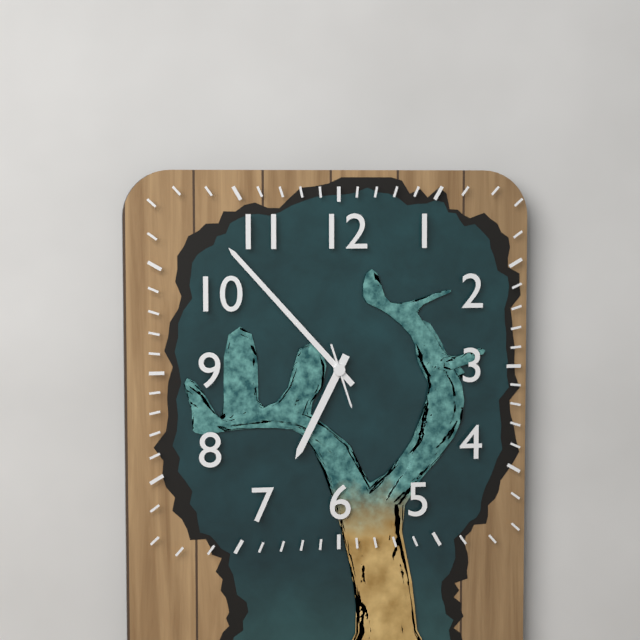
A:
6.53.27
